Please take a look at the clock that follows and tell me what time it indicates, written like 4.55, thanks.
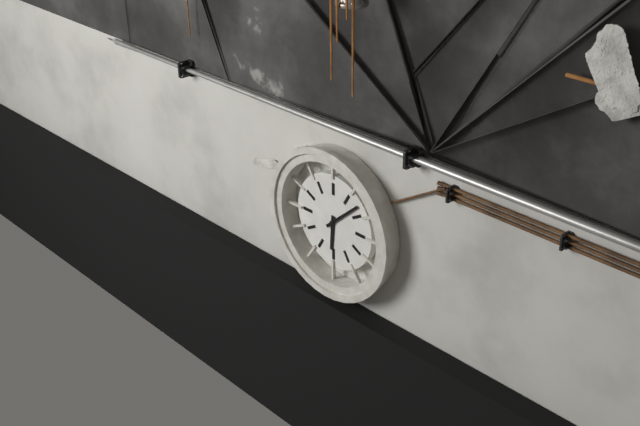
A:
6.08
